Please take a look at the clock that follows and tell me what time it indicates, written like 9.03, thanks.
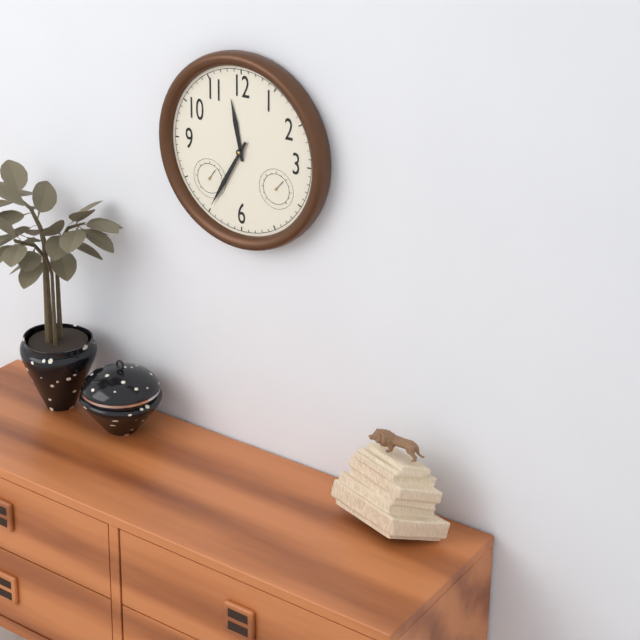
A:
11.35
